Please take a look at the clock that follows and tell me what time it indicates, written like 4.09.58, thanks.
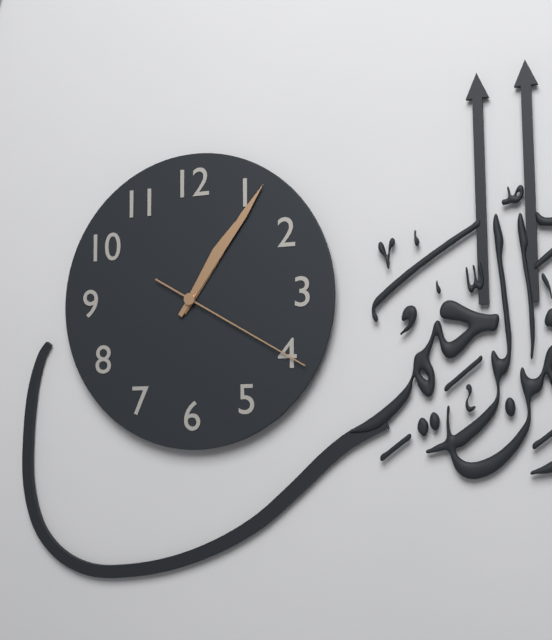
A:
1.06.20
